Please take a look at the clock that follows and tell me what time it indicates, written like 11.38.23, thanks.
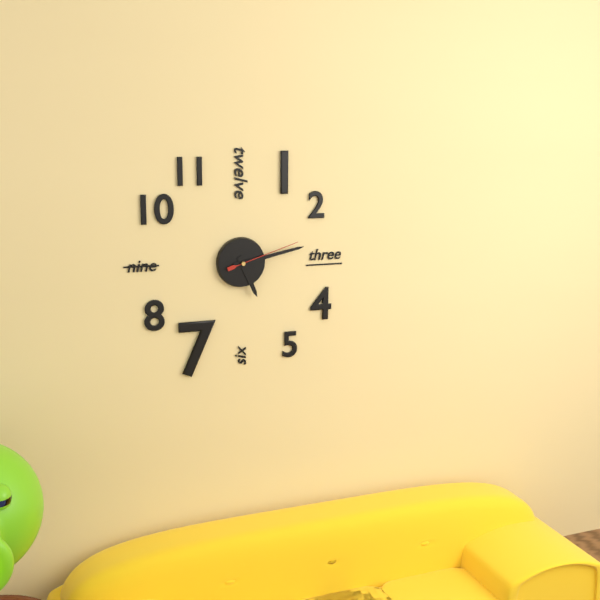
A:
5.13.12
